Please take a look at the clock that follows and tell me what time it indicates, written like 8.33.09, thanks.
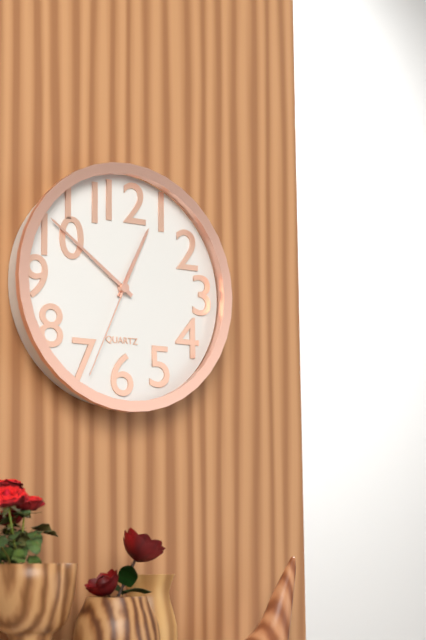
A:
12.51.34
